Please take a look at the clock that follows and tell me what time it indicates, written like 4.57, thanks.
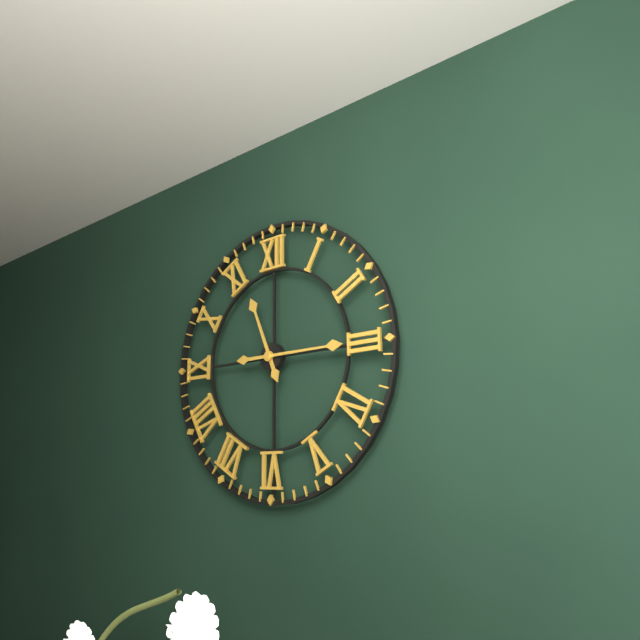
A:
11.15
